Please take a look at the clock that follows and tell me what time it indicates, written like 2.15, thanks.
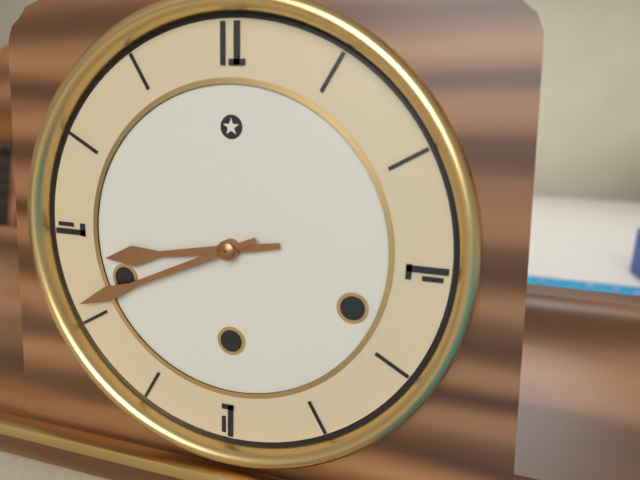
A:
8.41
